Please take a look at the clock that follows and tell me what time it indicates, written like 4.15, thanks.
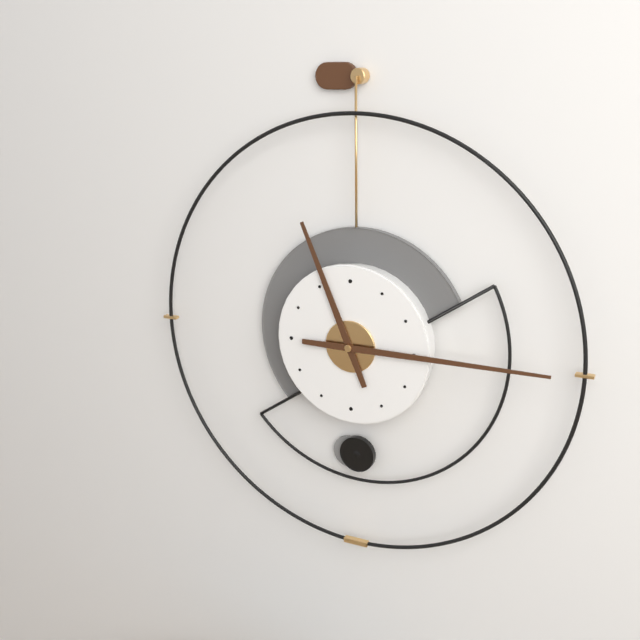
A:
11.15
